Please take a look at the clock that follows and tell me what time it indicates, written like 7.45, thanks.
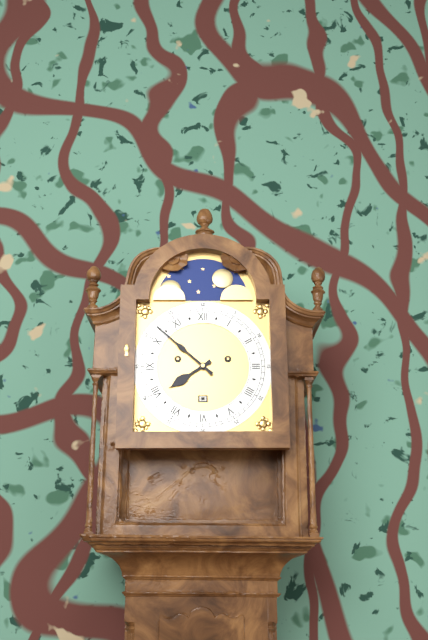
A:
7.52
